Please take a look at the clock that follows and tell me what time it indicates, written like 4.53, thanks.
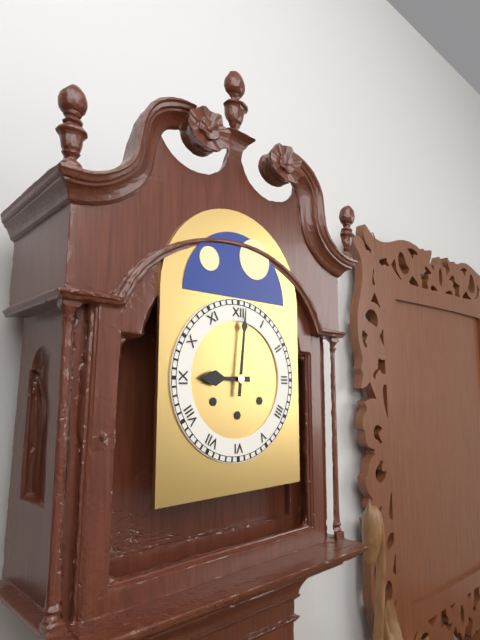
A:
9.01
